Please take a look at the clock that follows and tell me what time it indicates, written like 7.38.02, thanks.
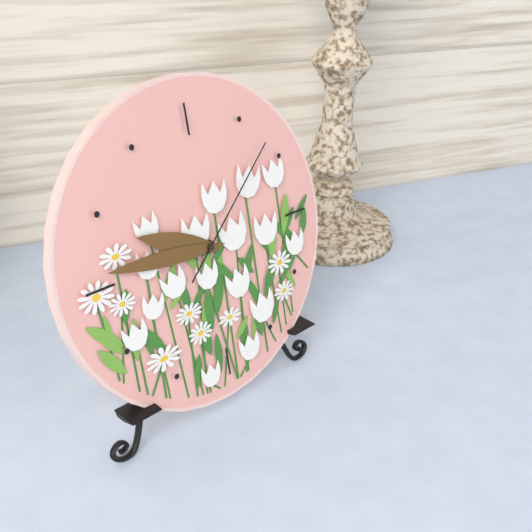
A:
9.46.08
